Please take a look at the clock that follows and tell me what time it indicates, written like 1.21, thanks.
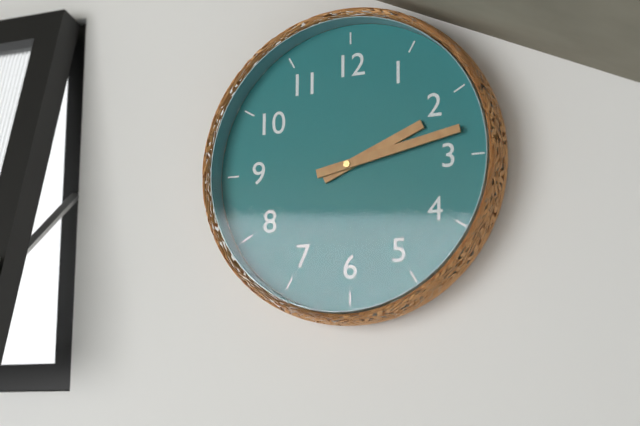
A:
2.13
